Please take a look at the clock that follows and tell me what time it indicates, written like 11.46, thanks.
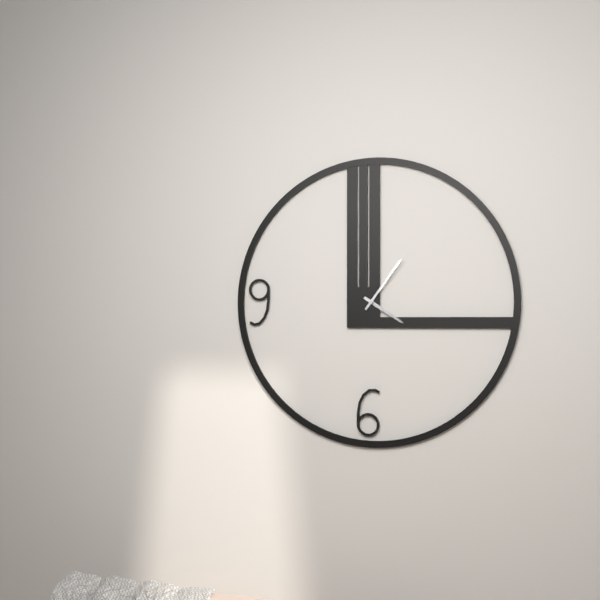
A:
4.06
